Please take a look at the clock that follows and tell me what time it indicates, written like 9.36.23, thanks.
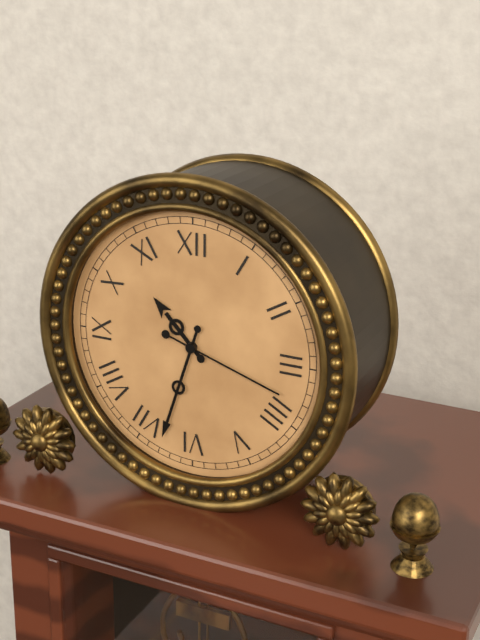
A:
10.33.18
